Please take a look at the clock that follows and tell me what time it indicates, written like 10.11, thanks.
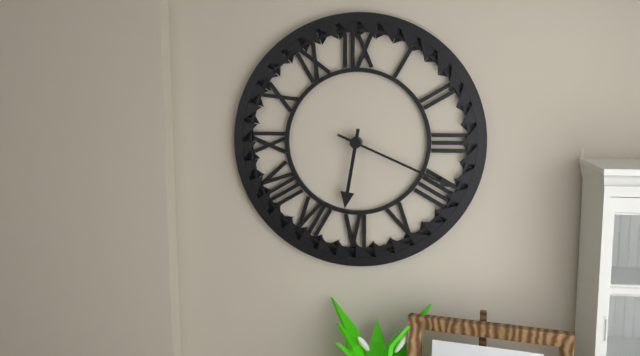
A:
6.19
